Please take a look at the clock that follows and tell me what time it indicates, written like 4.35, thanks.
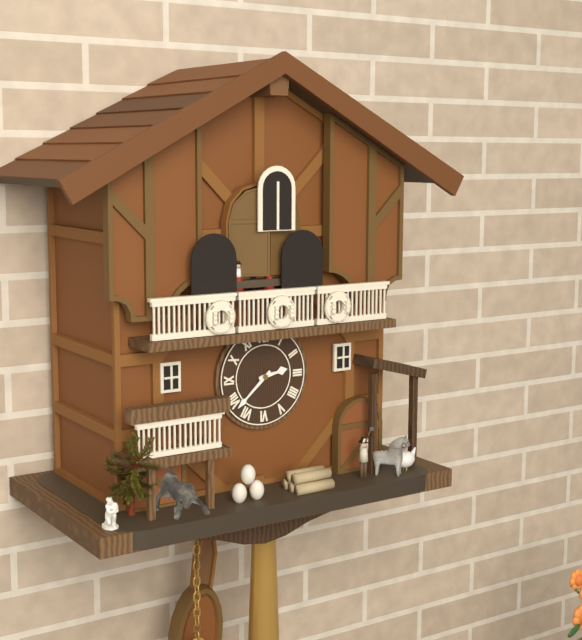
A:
2.38
